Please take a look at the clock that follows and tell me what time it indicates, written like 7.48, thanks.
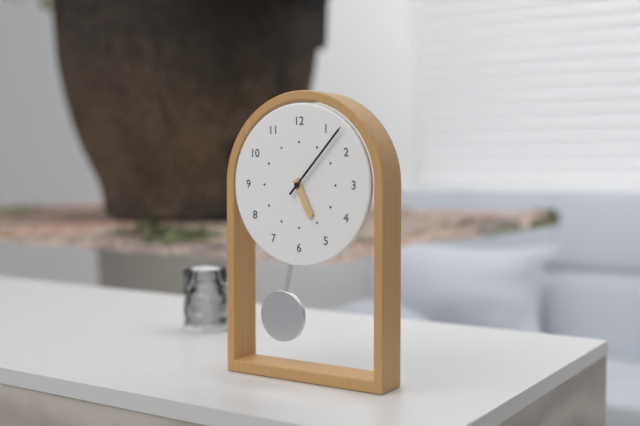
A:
5.07
